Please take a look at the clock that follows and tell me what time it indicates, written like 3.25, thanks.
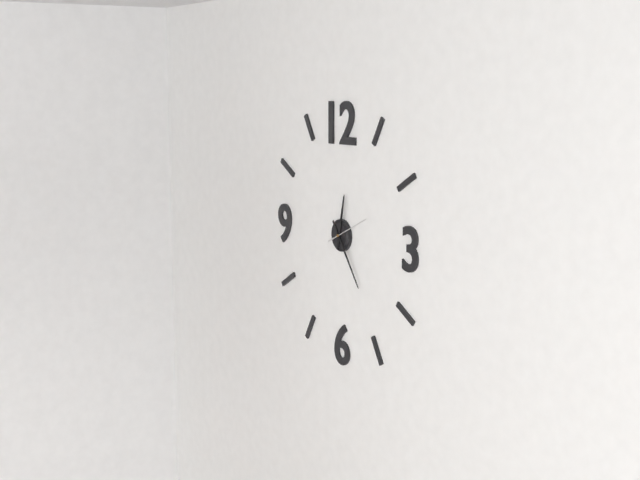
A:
12.24
